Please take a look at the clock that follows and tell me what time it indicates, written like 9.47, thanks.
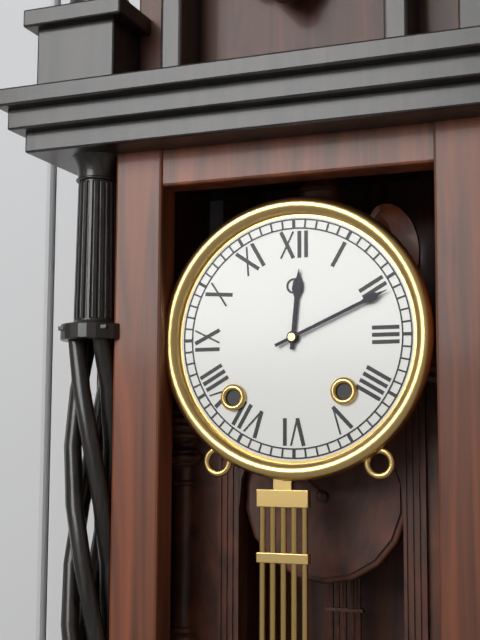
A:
12.11
